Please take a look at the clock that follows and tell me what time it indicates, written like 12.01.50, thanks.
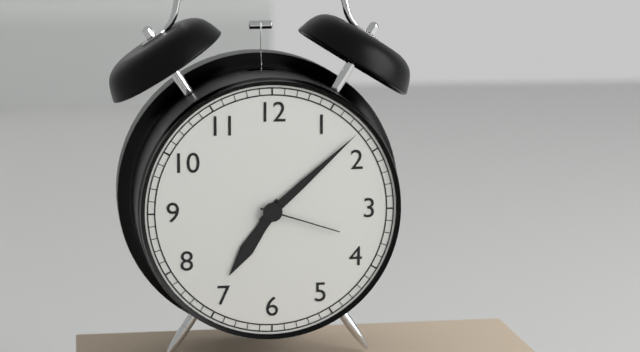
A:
7.08.18
